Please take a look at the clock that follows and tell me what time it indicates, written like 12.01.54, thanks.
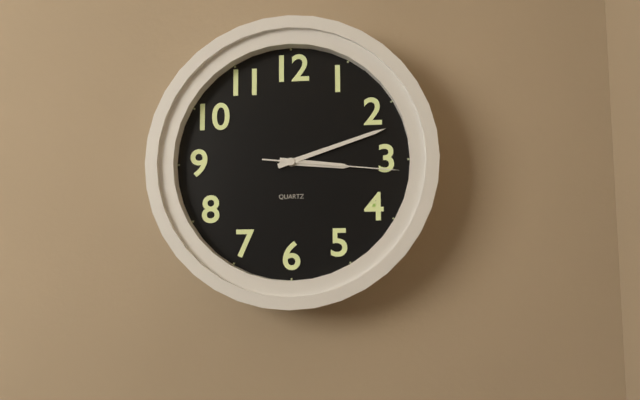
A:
3.12.16
